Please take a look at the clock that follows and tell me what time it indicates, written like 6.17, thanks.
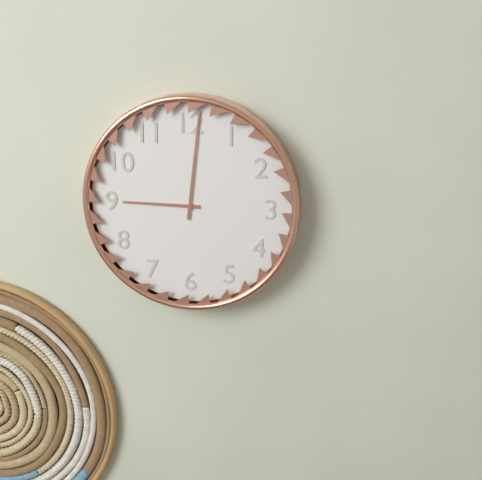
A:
9.01
